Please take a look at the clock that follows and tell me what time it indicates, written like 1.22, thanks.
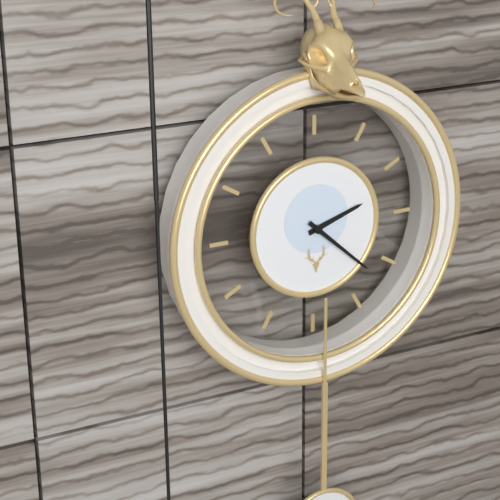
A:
2.22
